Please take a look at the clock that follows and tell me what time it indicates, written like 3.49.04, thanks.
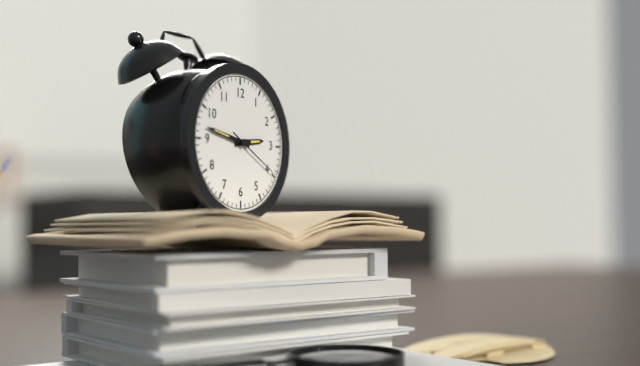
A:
2.47.20
